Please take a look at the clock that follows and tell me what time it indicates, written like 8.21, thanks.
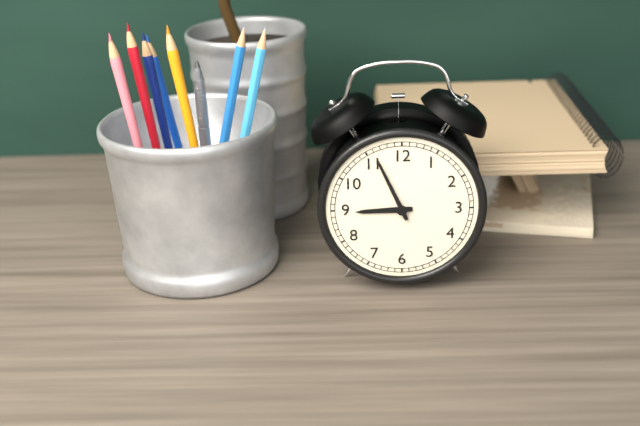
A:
8.56
